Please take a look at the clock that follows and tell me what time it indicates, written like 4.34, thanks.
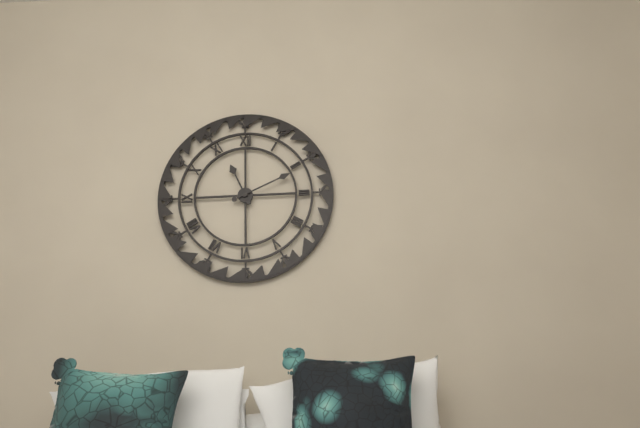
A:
11.11
